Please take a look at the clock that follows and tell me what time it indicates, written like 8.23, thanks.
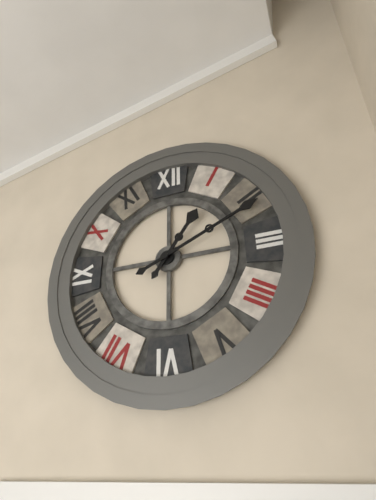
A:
1.11
